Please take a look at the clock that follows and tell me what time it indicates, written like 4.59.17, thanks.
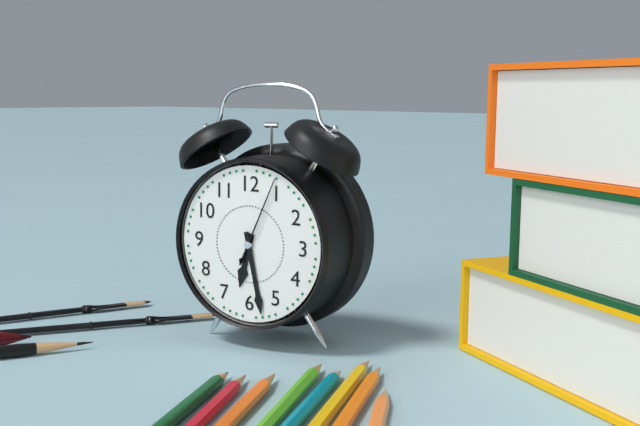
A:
6.28.04
